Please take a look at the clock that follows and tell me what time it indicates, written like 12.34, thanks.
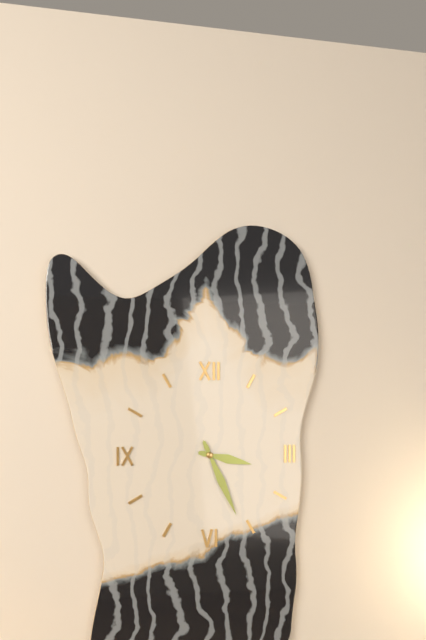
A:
3.26
